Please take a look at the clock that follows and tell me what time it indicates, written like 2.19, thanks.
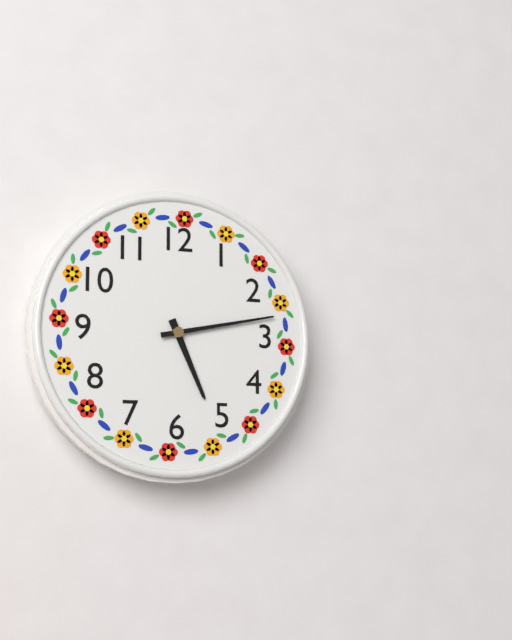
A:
5.13
